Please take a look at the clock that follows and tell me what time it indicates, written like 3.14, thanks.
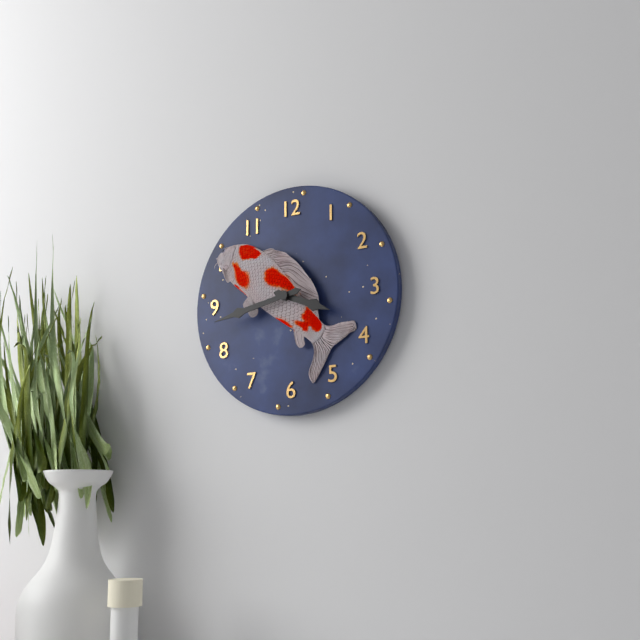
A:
3.43
